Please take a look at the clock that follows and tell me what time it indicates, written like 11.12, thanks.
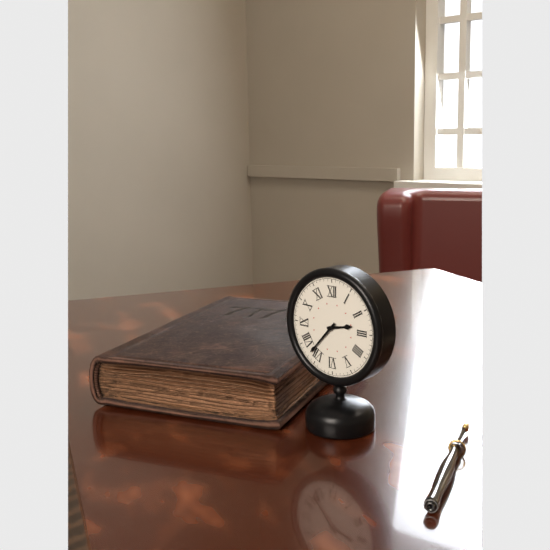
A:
2.37
